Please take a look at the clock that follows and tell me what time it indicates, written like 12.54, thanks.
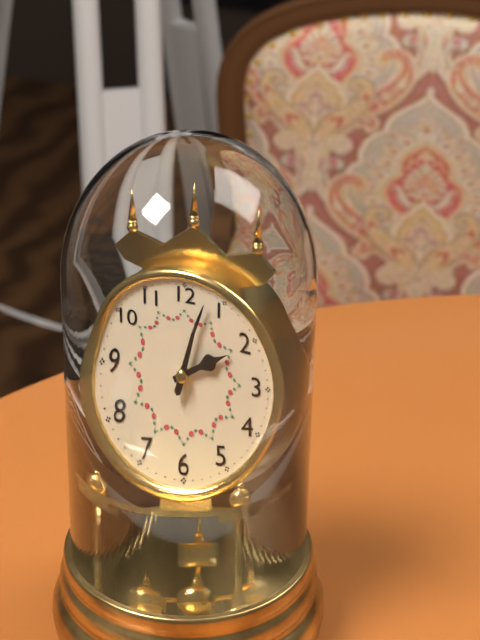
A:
2.03
